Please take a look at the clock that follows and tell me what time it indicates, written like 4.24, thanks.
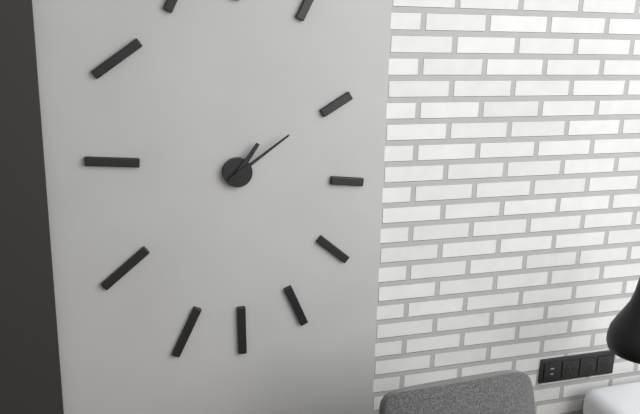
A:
1.09
